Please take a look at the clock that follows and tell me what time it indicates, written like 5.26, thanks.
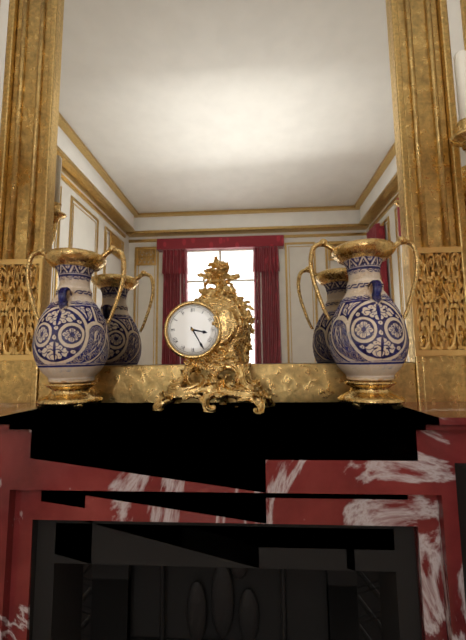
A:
3.25
